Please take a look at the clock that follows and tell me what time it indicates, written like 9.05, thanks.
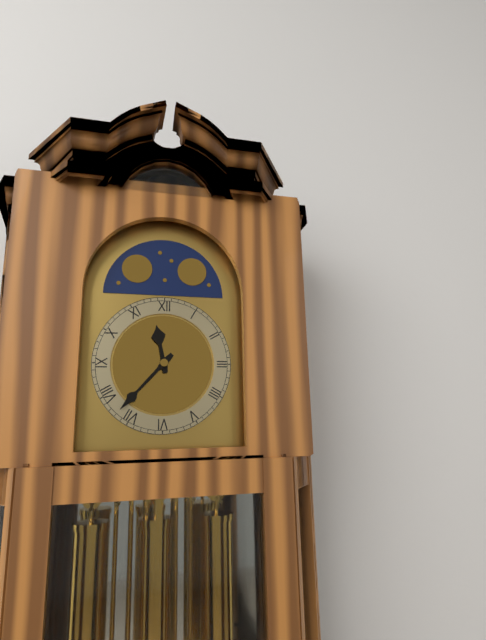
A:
11.37
